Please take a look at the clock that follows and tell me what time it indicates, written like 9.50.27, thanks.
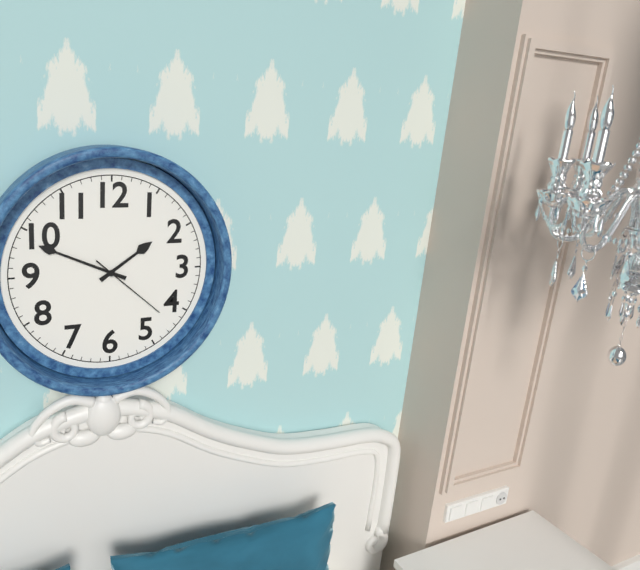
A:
1.49.22
